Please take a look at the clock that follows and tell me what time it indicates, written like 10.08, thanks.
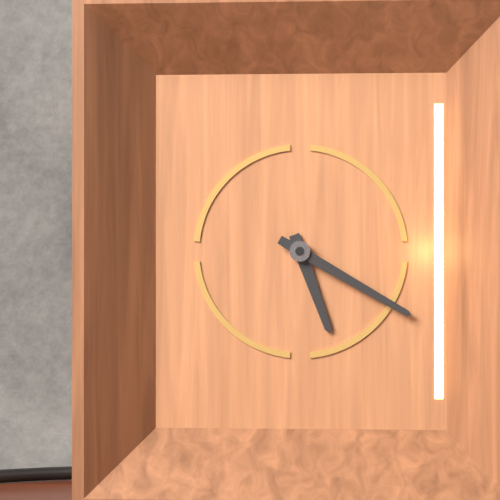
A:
5.20
